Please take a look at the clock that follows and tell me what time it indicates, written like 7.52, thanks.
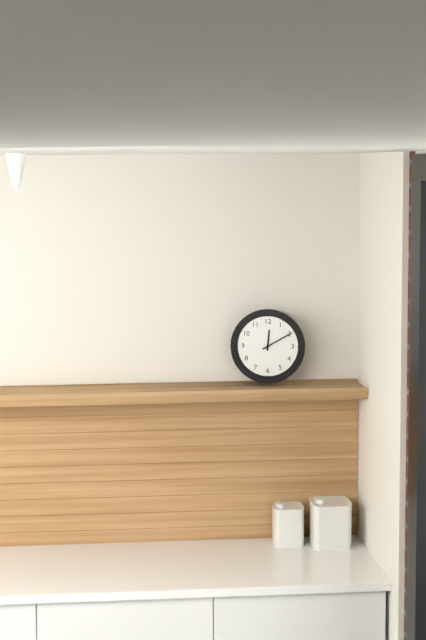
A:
12.10
